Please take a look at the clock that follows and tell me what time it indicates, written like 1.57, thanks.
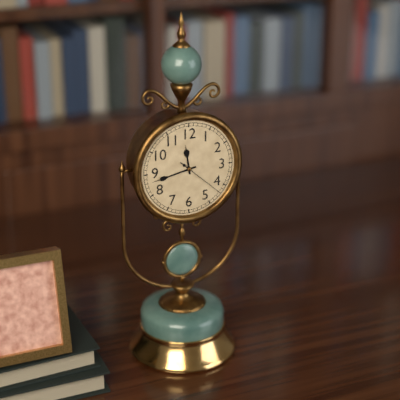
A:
11.43
